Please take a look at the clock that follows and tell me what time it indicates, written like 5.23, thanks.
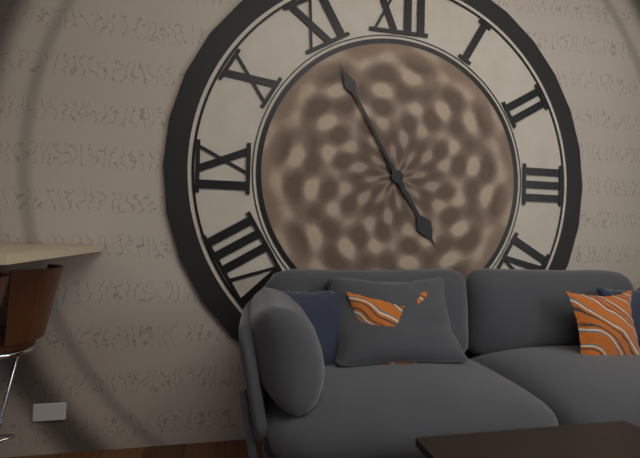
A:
4.55
